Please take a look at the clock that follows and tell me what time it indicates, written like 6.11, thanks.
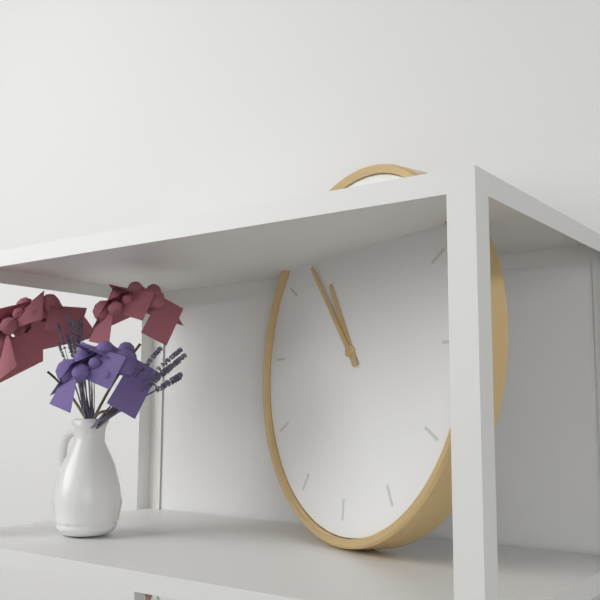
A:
10.53
